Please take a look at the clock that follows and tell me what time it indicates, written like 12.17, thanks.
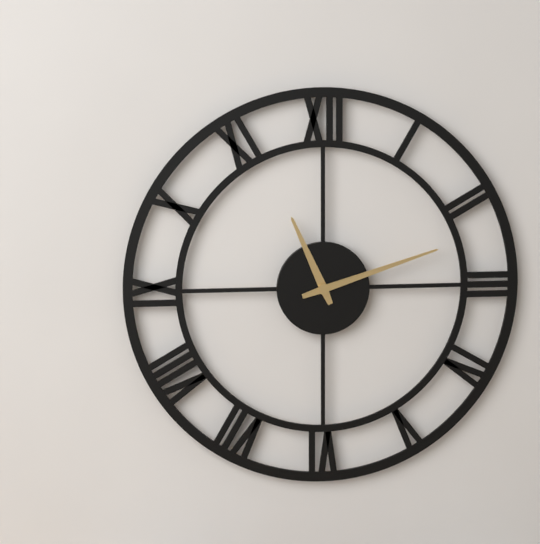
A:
11.12
